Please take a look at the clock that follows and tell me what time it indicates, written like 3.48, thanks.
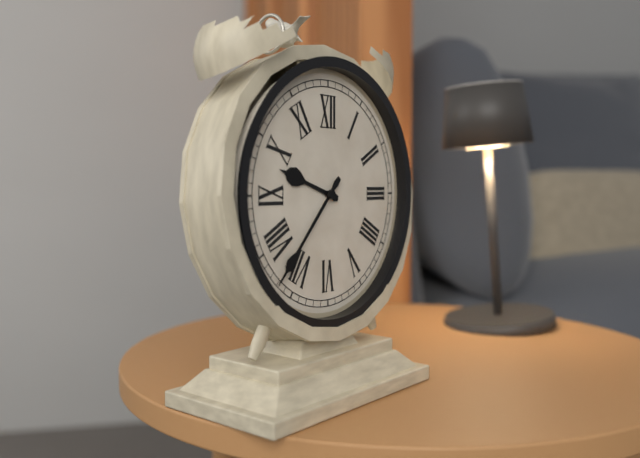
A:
9.37
